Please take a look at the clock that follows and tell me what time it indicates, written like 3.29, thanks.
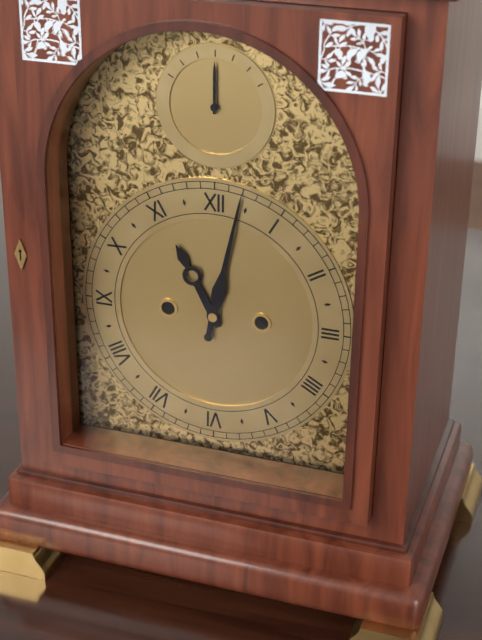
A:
11.02
